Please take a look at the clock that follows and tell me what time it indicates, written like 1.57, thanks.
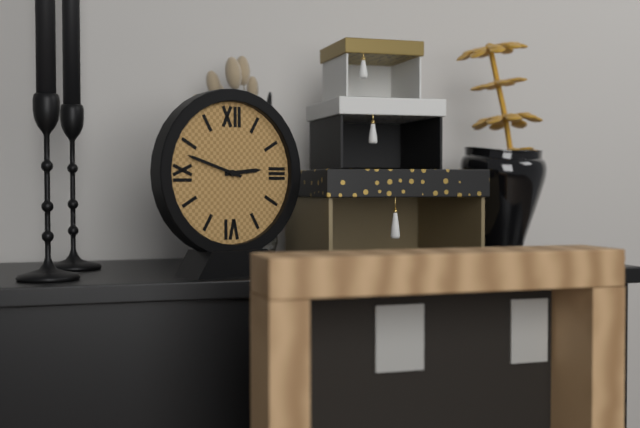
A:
2.48
